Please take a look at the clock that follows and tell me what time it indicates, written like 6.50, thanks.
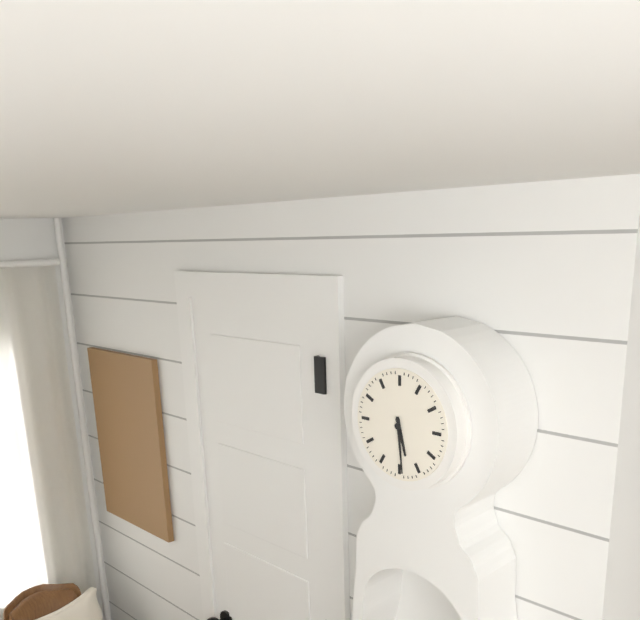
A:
5.29
